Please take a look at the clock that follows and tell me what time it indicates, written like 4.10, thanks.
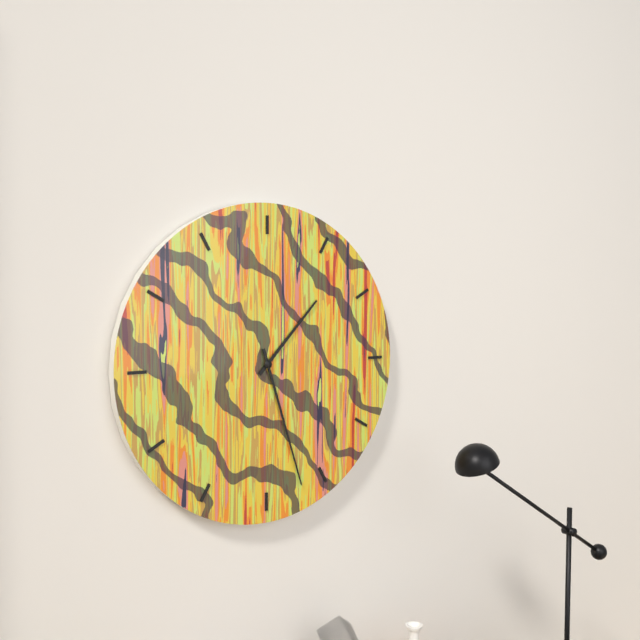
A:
1.27
